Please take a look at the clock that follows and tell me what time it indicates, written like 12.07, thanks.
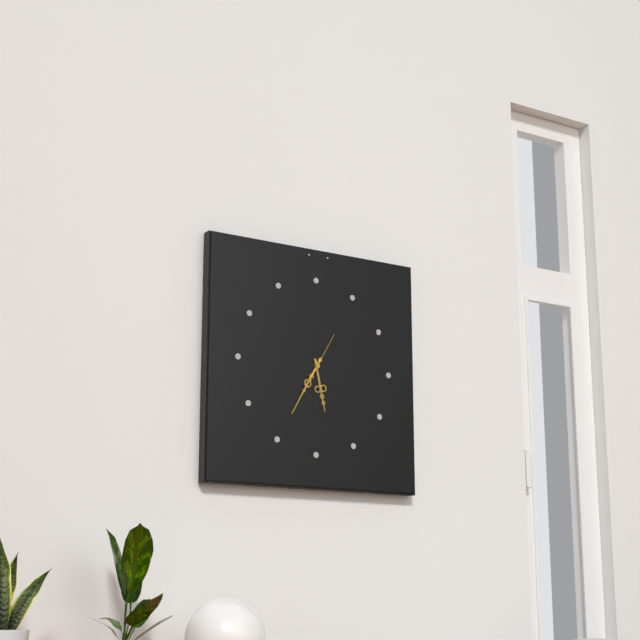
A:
5.35
